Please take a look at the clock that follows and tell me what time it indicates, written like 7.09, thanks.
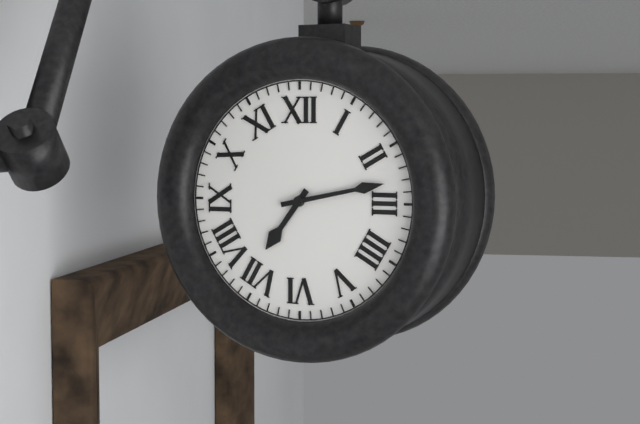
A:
7.13
